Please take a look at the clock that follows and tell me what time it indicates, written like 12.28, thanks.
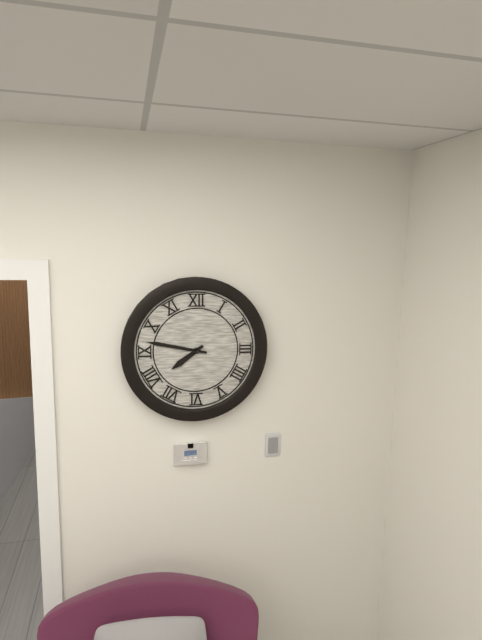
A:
7.47
